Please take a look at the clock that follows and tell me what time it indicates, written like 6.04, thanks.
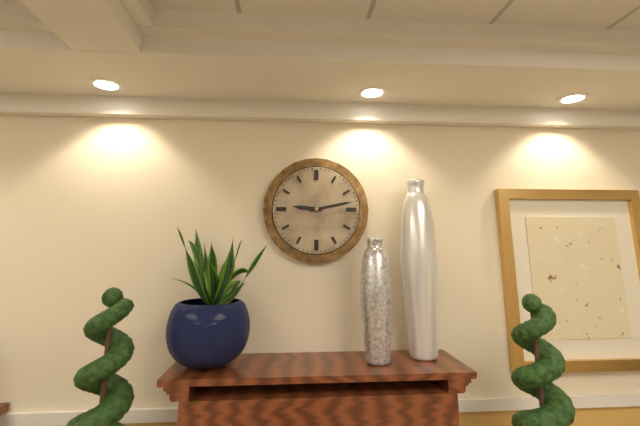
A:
9.13
